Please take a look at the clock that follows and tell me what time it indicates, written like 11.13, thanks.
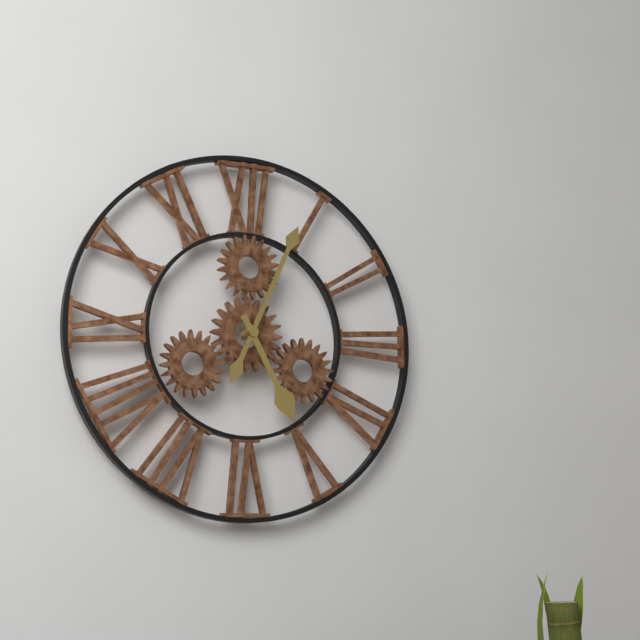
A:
5.04
